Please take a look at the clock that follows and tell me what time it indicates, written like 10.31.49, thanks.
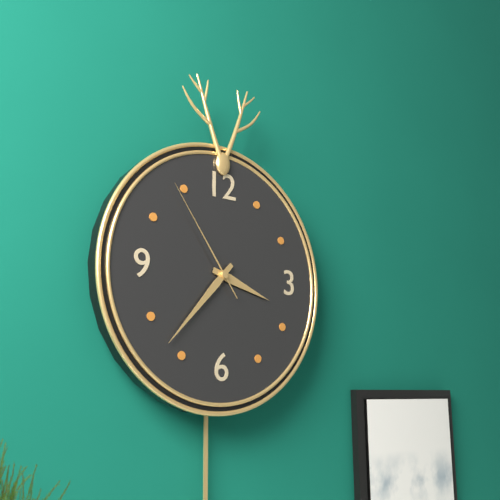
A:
3.37.54
